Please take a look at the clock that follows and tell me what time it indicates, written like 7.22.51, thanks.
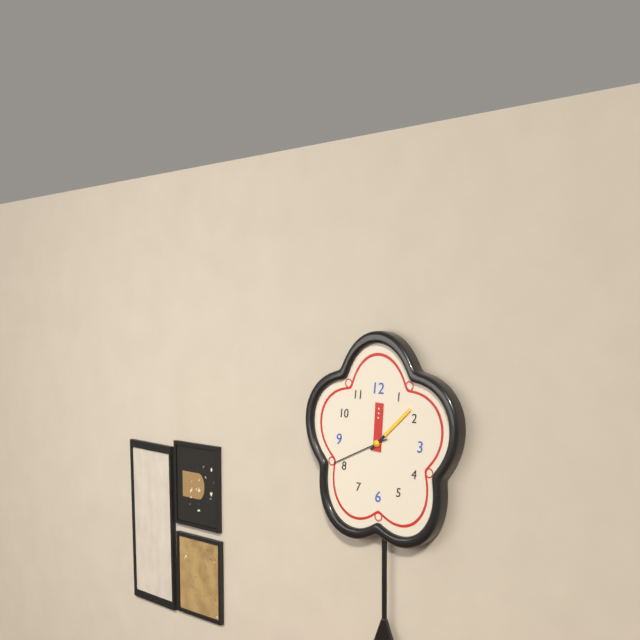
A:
12.08.41
